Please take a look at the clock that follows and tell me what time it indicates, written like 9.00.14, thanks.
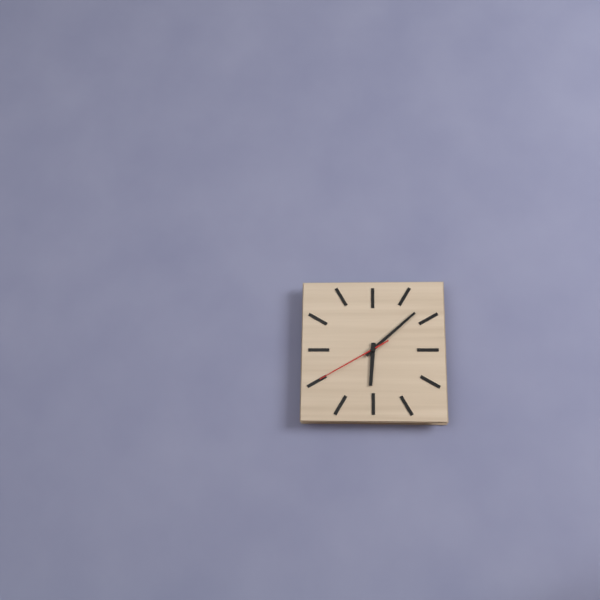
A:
6.08.40
